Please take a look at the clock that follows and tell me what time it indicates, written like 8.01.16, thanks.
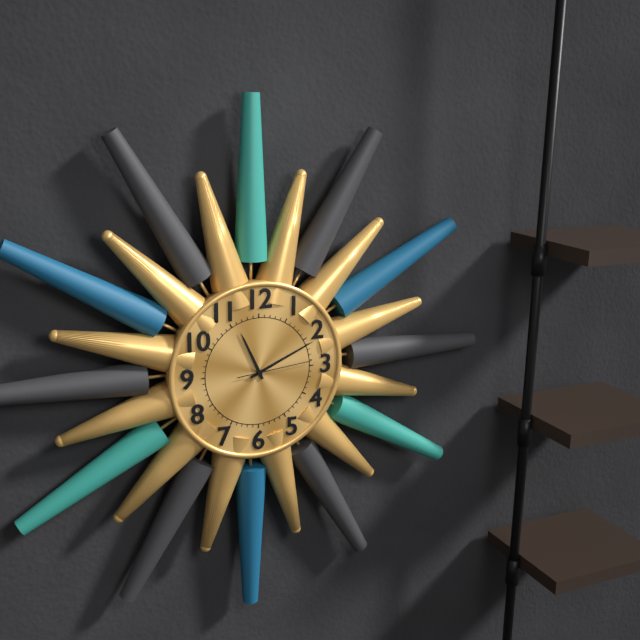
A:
11.11.14
